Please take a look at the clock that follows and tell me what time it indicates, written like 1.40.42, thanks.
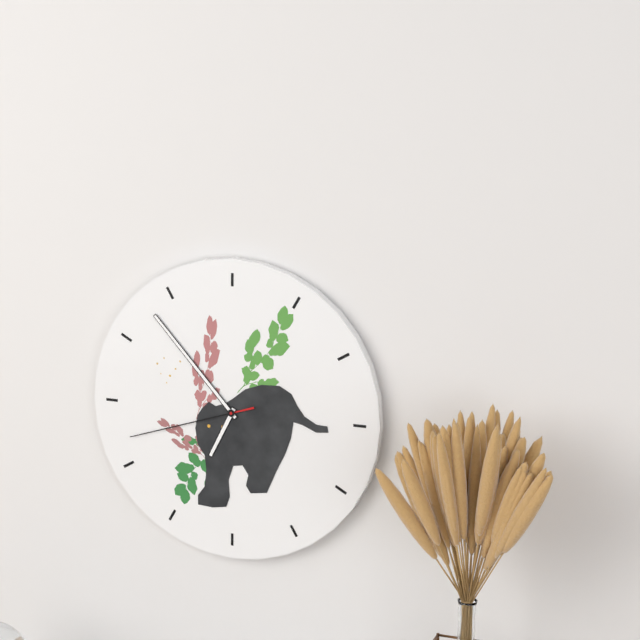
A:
6.53.42
